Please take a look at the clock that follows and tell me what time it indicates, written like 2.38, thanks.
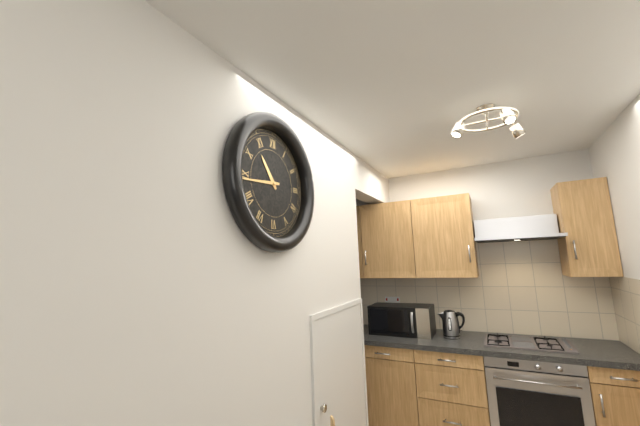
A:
10.44
